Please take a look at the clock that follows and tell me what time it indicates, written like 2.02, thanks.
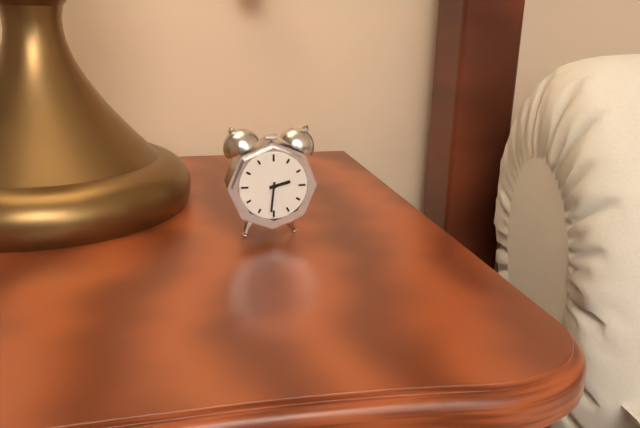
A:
2.31
